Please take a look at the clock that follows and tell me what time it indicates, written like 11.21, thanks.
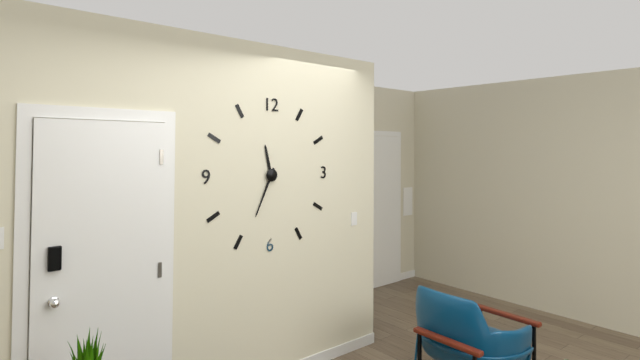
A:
11.34
